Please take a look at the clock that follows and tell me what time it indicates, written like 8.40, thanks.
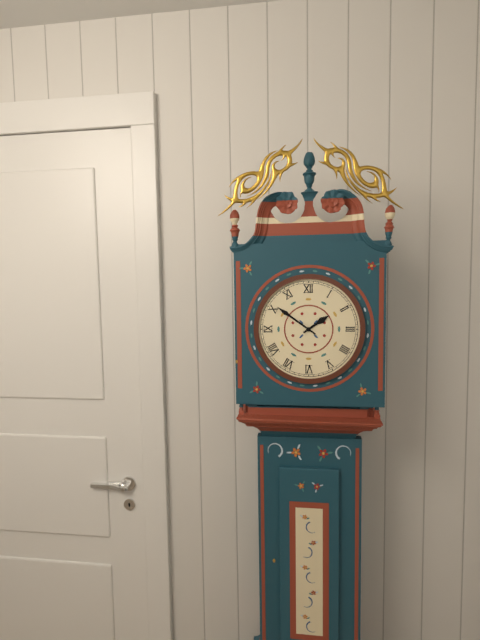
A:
1.51
